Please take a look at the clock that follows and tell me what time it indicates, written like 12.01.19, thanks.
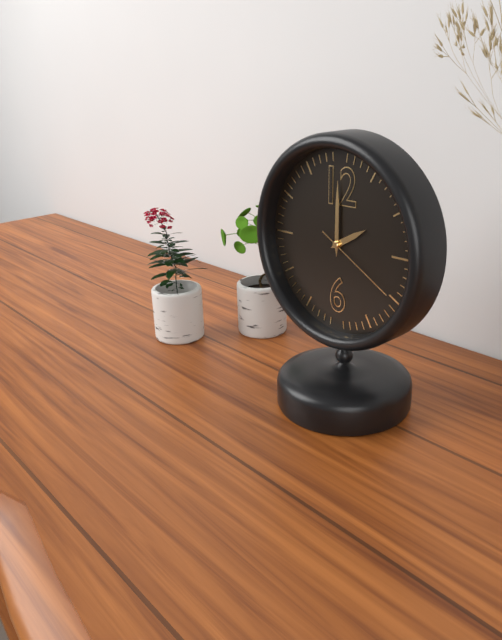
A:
2.00.20
